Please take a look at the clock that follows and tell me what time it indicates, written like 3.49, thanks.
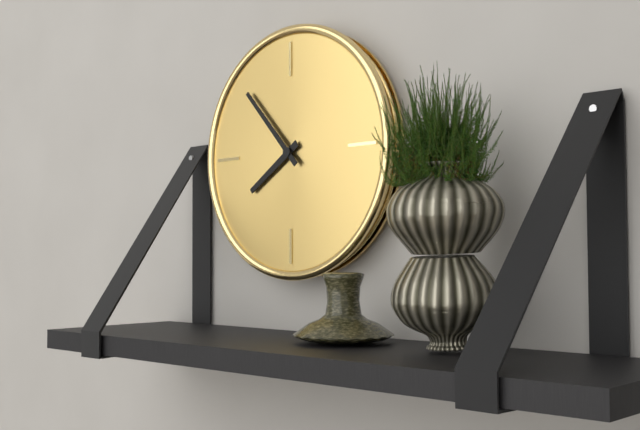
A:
7.53
